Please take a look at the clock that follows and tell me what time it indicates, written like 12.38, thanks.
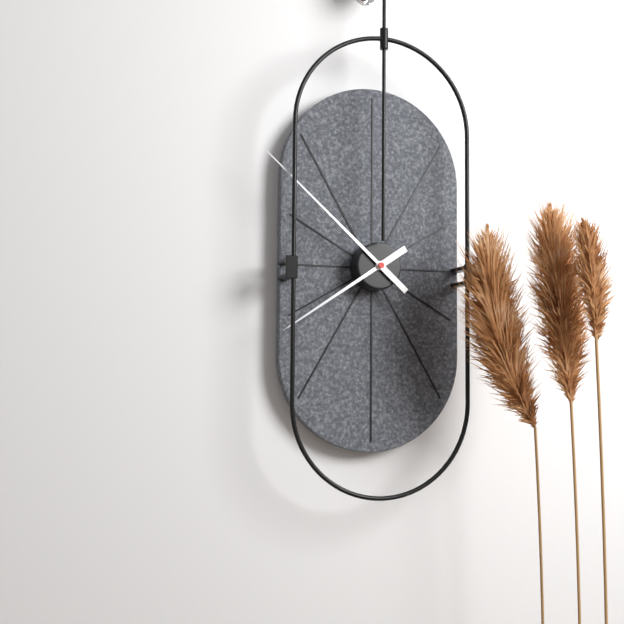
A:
7.52
